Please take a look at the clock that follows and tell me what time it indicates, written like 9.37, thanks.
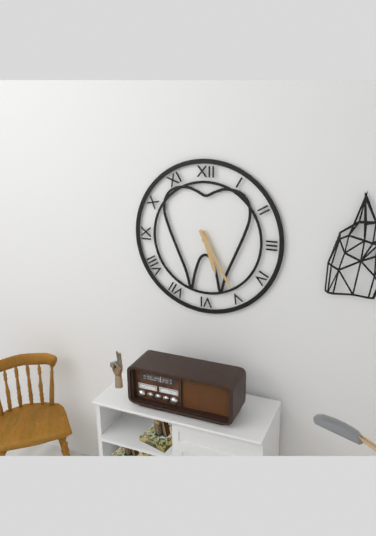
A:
5.25
